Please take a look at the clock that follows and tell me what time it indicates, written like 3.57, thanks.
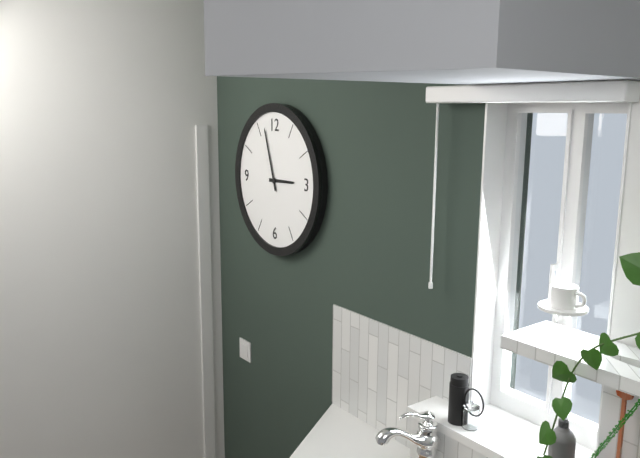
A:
2.57
